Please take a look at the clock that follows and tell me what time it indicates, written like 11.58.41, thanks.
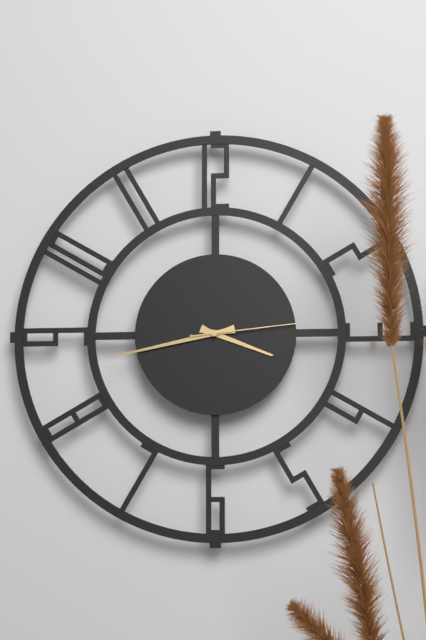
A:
3.43.14
